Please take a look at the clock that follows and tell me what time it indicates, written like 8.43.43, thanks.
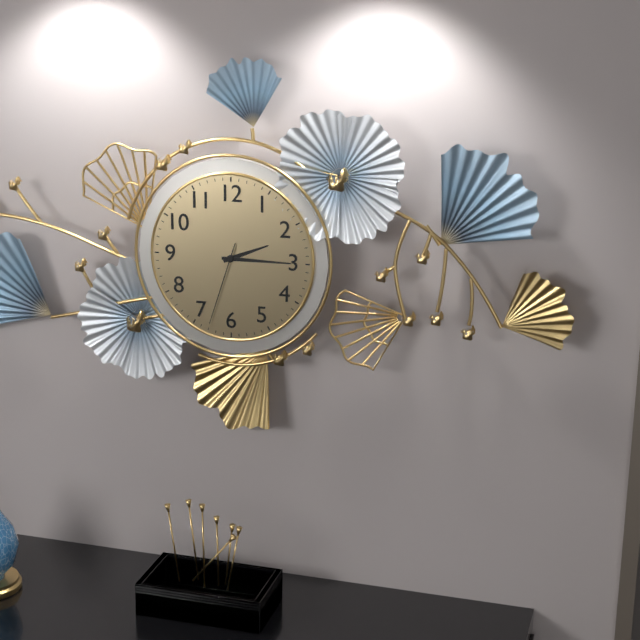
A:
2.15.33
